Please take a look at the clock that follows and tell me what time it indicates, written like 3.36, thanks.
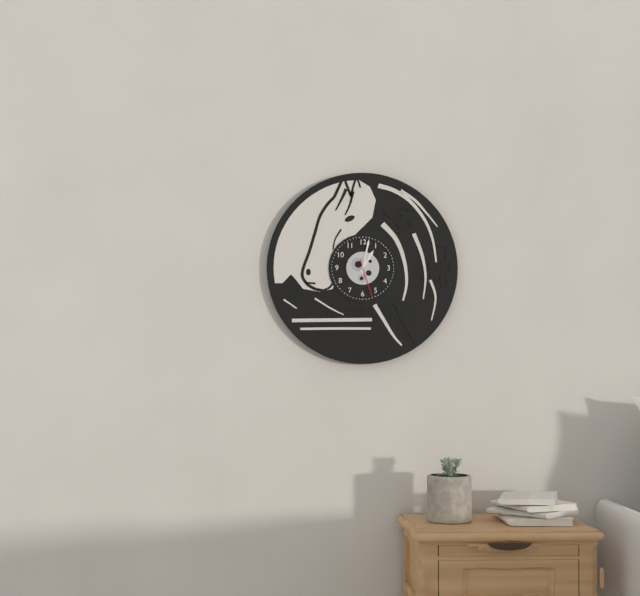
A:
1.02
